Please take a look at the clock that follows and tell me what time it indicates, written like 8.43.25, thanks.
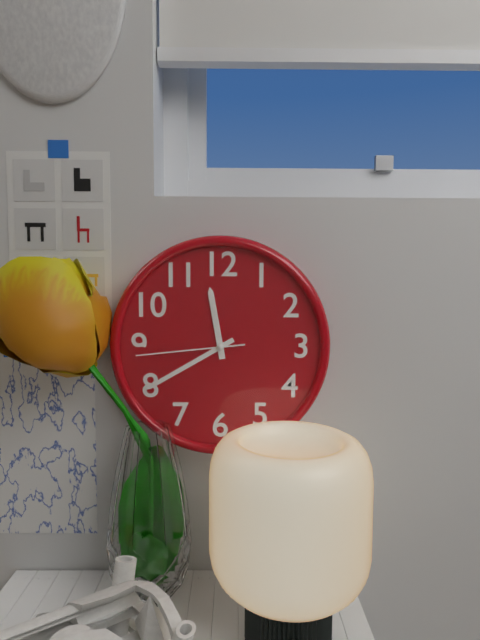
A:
11.40.44
